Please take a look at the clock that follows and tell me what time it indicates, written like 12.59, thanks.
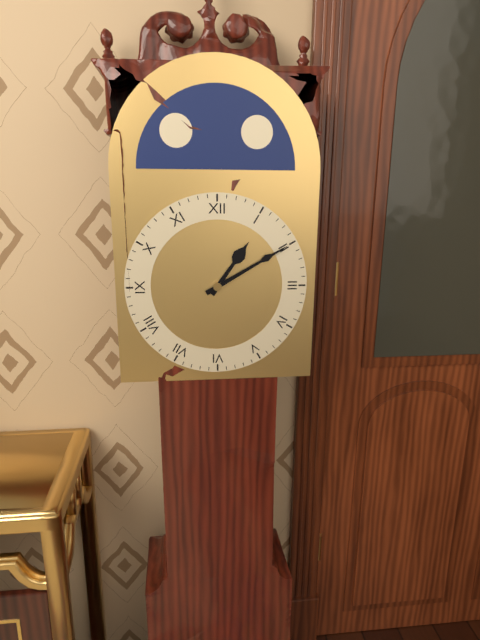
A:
1.10
